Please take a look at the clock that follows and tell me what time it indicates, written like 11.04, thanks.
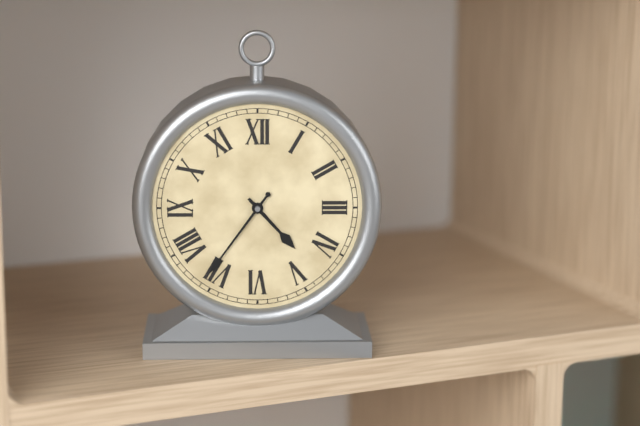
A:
4.36
